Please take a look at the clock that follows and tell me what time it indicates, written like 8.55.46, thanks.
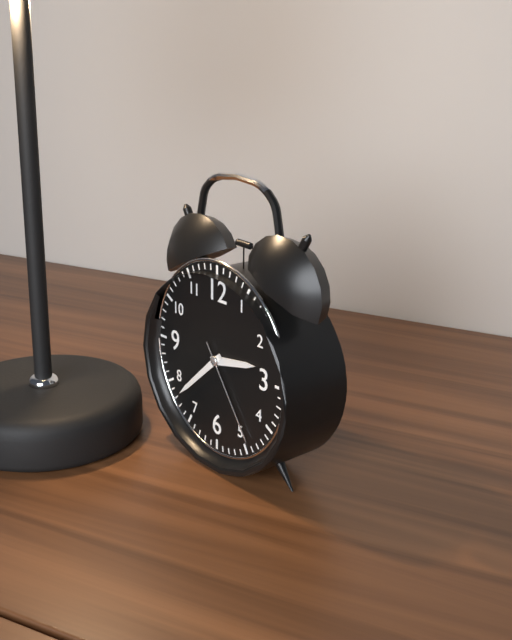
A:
2.38.24
